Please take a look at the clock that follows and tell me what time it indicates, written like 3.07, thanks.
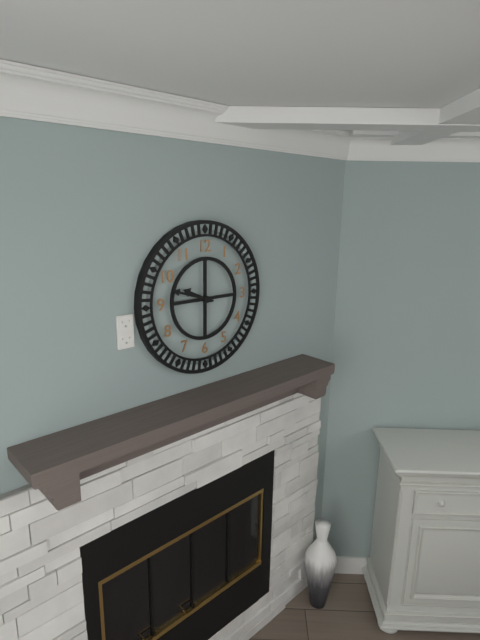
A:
9.48
